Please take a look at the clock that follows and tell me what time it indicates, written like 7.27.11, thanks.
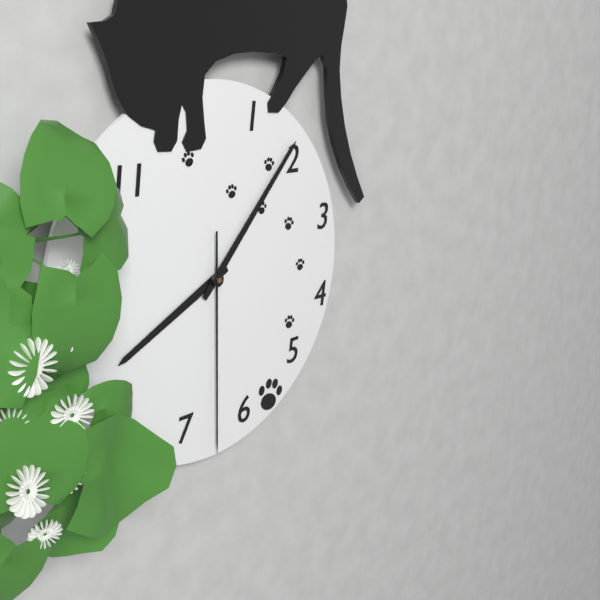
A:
8.07.30
